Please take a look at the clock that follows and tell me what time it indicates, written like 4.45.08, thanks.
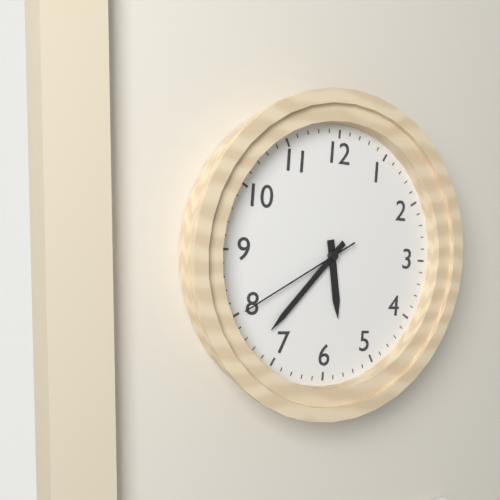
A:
5.37.40
